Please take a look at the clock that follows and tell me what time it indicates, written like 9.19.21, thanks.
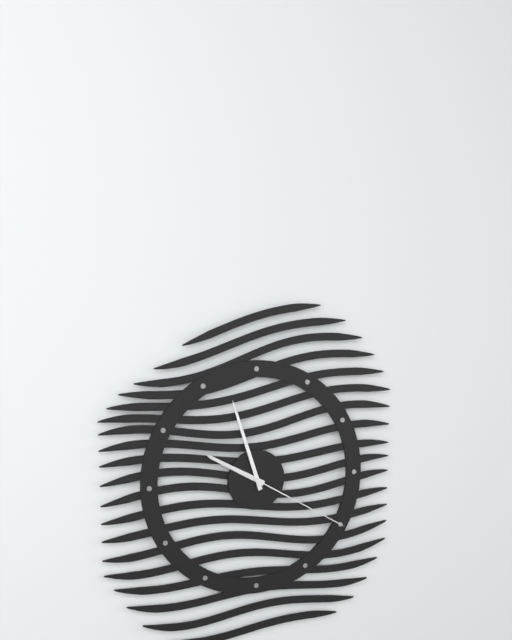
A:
9.57.20
